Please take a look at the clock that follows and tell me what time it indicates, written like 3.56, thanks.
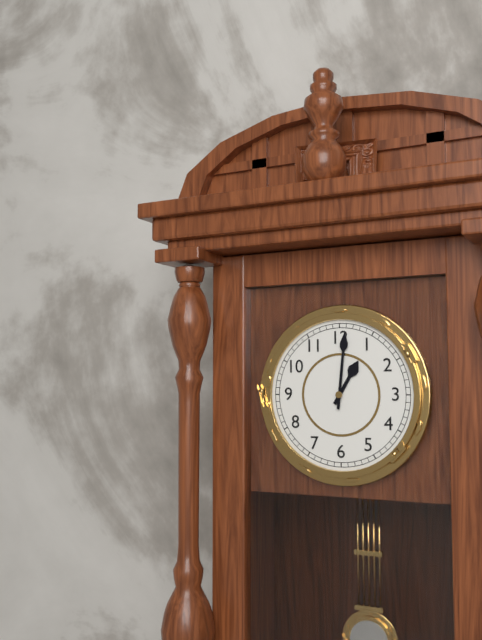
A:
1.01
